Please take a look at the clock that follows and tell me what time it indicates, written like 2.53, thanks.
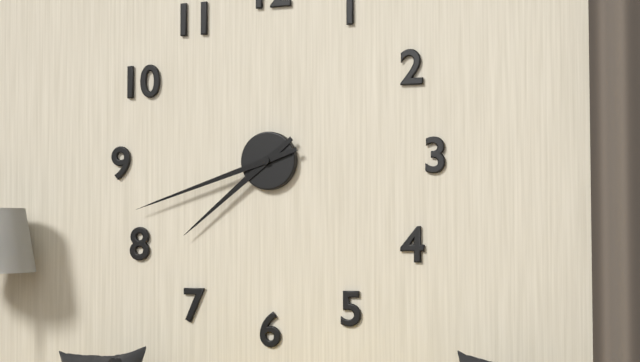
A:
7.42
